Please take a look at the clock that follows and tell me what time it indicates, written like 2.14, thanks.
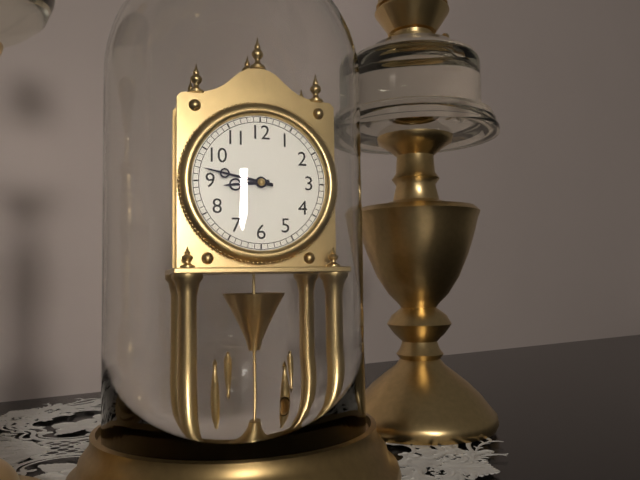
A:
8.47
